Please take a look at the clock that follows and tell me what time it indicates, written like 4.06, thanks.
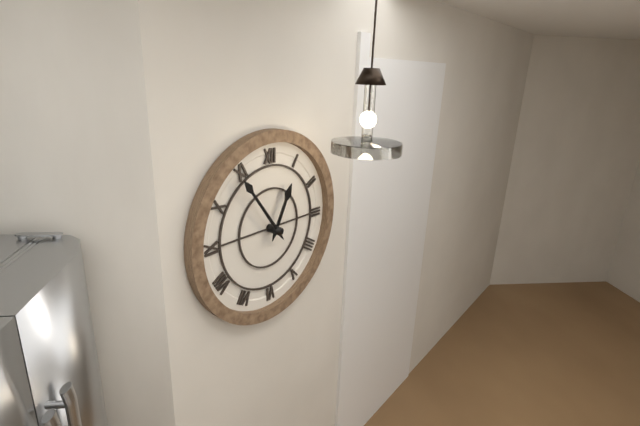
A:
12.54
